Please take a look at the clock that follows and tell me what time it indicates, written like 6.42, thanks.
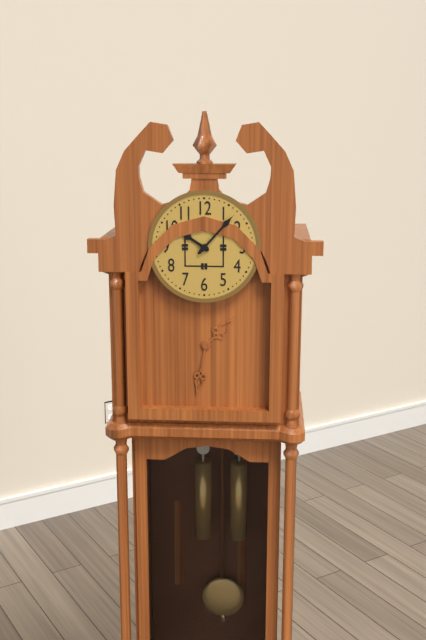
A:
10.07
